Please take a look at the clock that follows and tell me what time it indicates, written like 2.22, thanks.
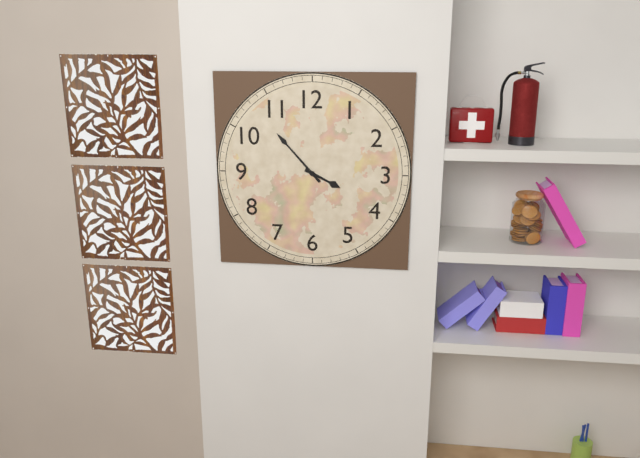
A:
3.53
